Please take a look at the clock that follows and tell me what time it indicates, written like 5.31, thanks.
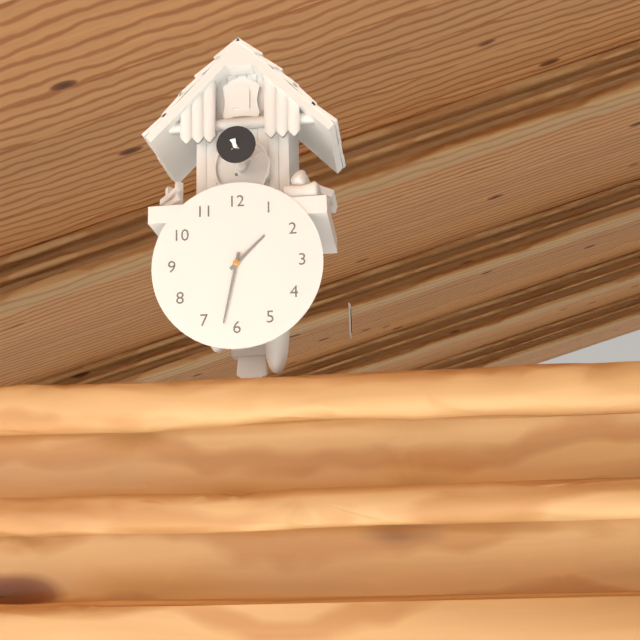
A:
1.32
